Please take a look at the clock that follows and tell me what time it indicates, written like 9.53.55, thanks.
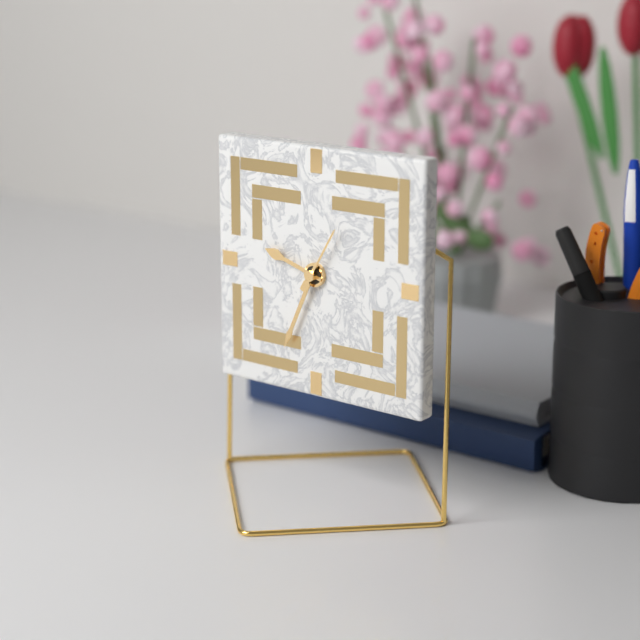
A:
9.34.05
